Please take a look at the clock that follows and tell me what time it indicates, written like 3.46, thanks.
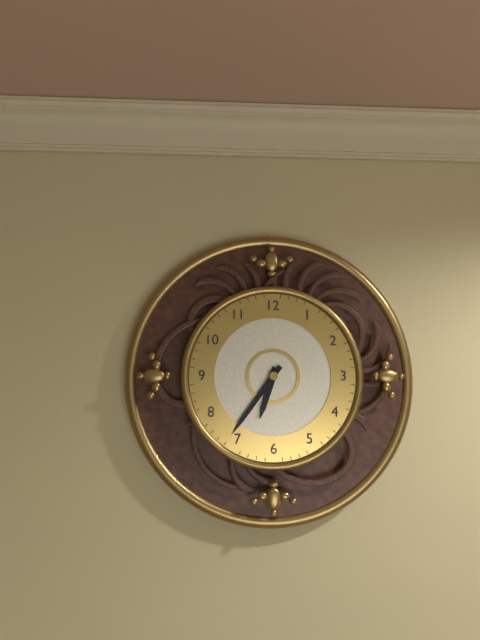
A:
6.36
